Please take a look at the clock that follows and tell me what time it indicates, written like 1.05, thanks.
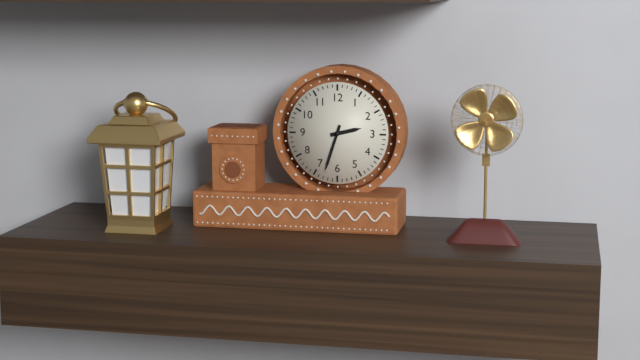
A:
2.33
